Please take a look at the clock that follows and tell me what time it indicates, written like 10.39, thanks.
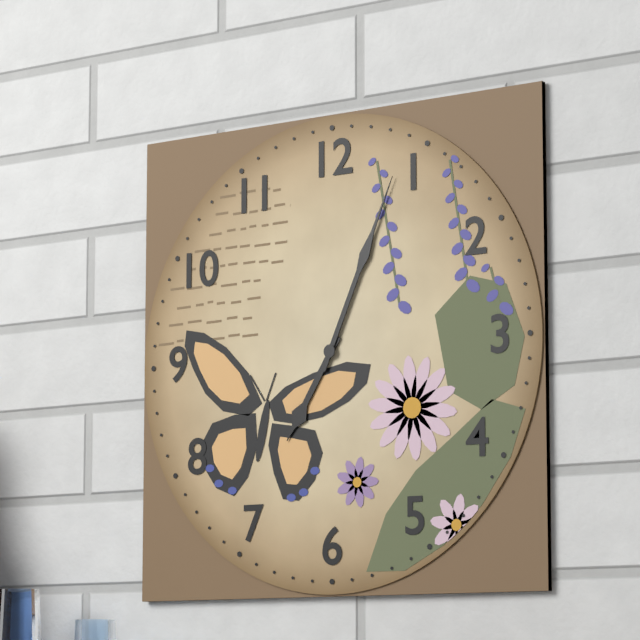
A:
7.04
